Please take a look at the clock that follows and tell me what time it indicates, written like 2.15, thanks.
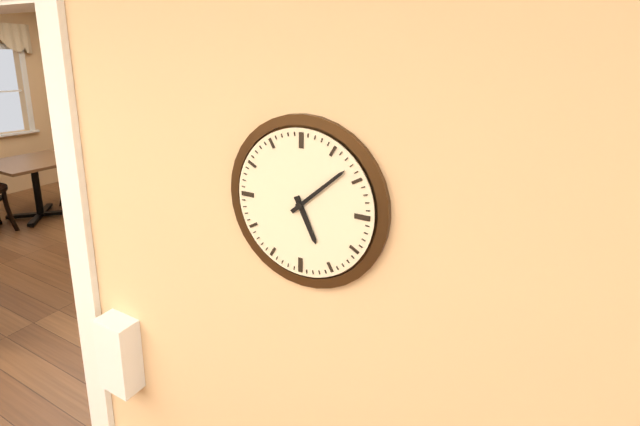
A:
5.08
